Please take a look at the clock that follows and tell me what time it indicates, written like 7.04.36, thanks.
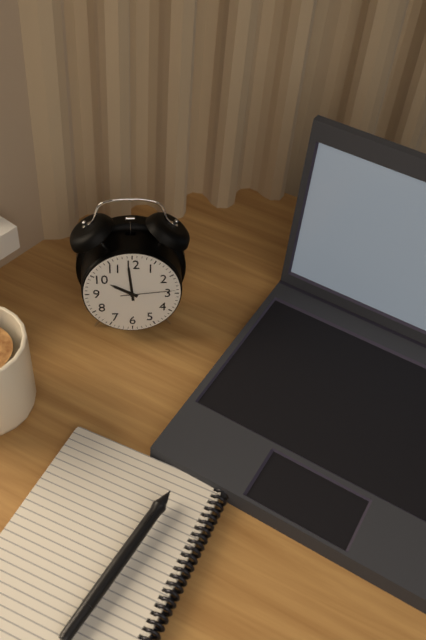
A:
9.59.14
